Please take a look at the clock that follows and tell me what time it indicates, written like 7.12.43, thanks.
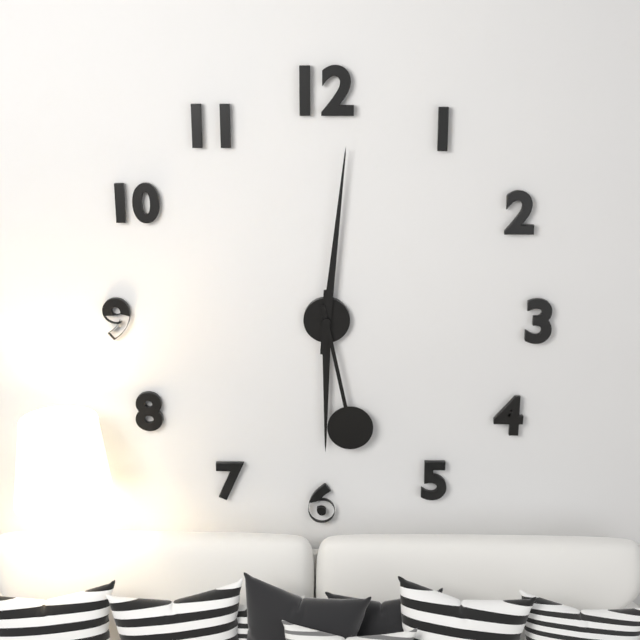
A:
6.01.28
